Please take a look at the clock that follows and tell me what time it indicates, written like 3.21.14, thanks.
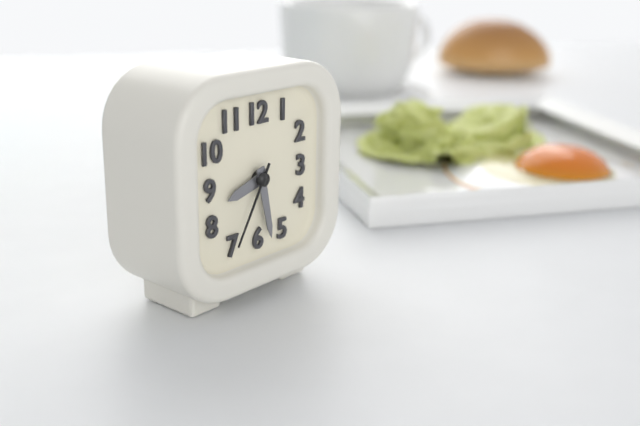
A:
8.28.35
